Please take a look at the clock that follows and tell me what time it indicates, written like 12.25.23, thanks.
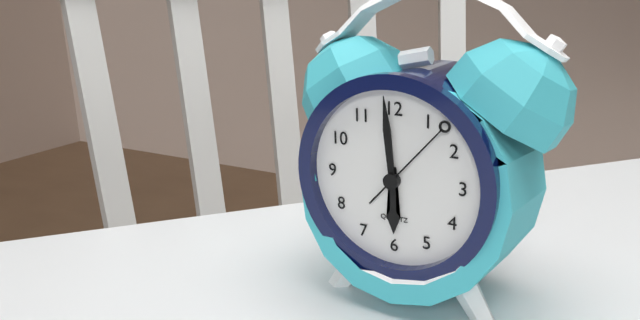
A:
5.59.07
